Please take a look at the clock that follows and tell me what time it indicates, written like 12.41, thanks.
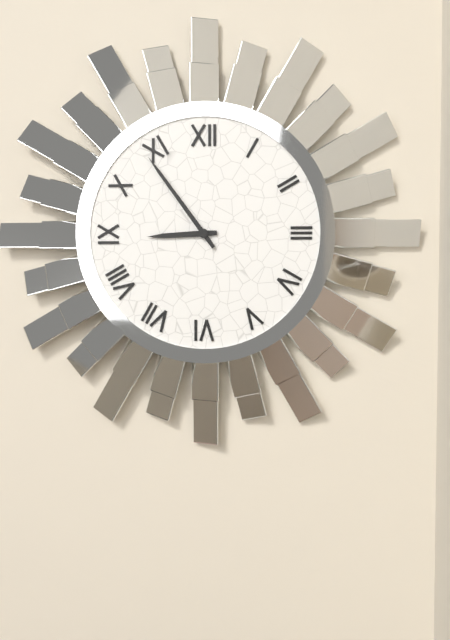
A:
8.54
